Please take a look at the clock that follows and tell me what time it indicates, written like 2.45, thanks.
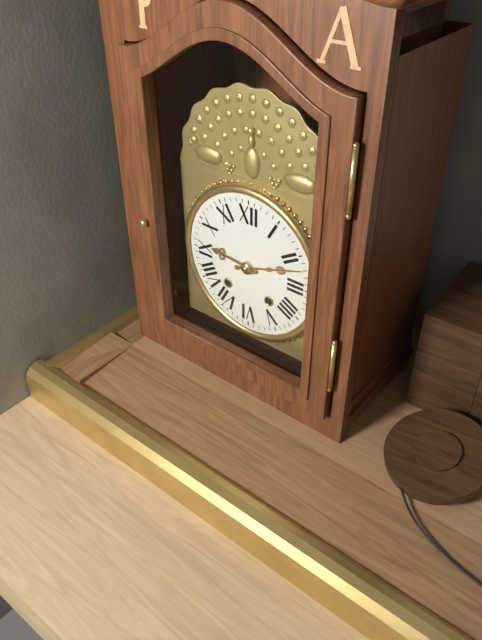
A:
9.12
